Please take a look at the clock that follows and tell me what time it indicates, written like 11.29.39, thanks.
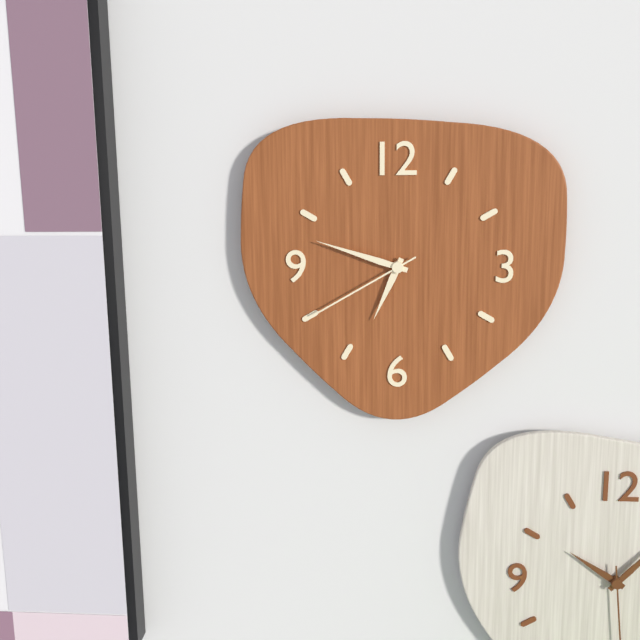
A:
6.48.40
